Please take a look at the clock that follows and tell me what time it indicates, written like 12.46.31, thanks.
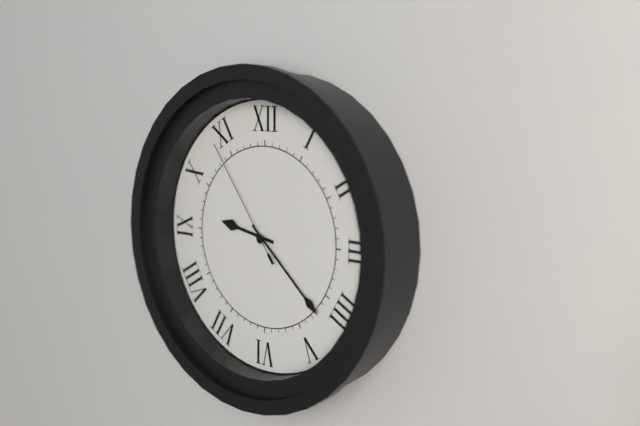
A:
9.22.54
